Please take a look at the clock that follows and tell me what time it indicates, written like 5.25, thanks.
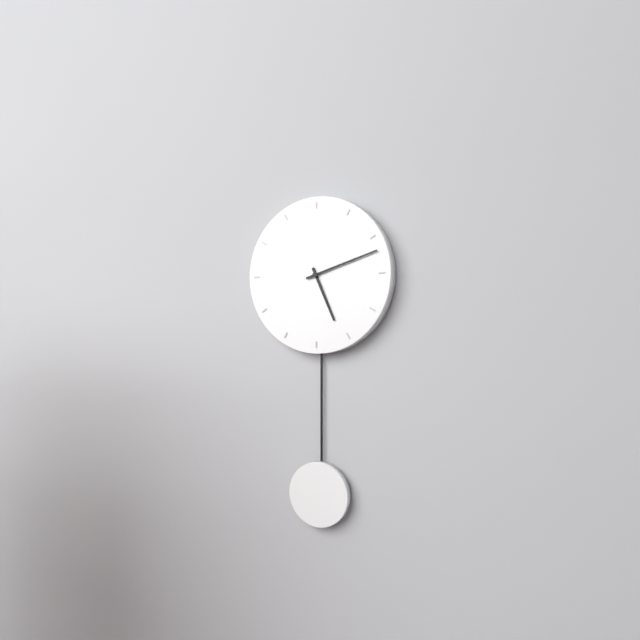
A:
5.12
